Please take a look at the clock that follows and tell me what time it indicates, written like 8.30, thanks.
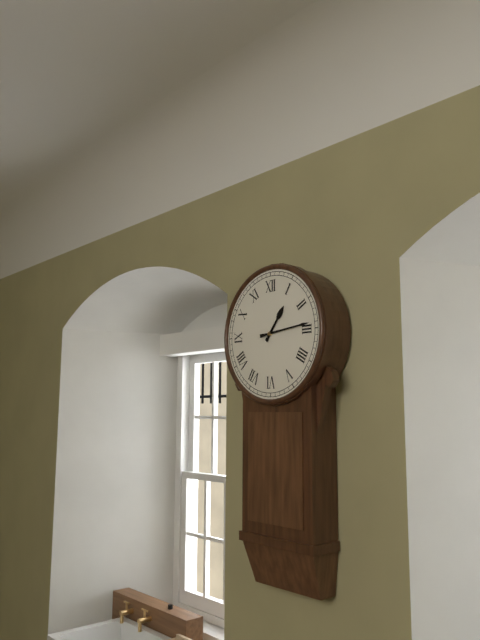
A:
1.14
